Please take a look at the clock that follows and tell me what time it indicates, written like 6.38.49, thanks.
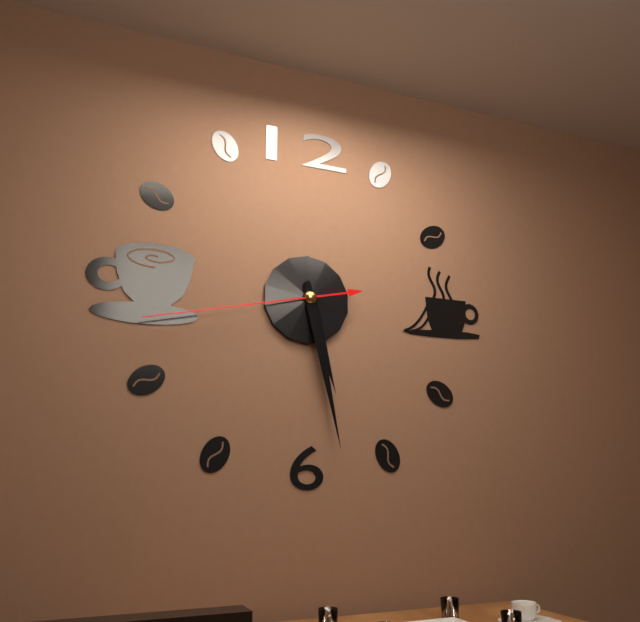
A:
5.28.43
